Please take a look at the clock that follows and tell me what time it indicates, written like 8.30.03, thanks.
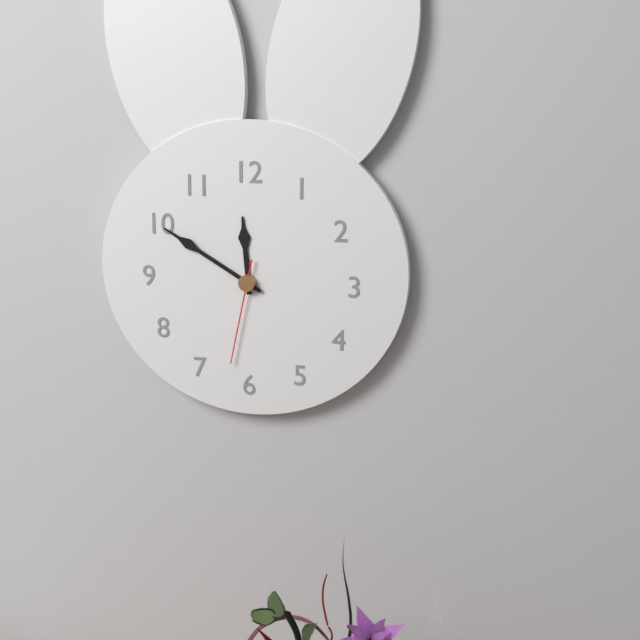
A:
11.50.32
